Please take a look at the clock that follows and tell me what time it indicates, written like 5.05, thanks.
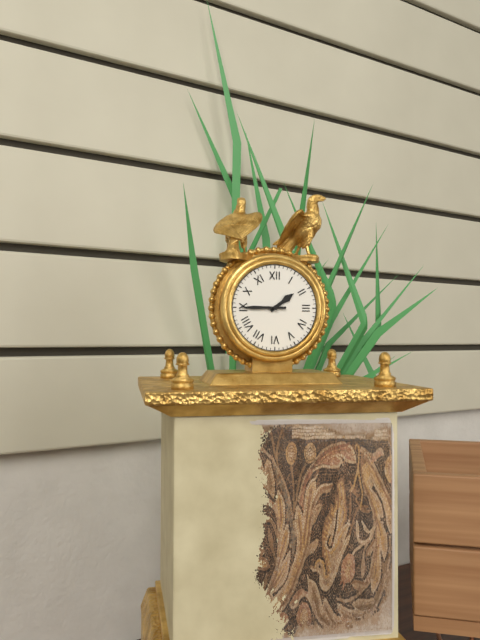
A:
1.45
